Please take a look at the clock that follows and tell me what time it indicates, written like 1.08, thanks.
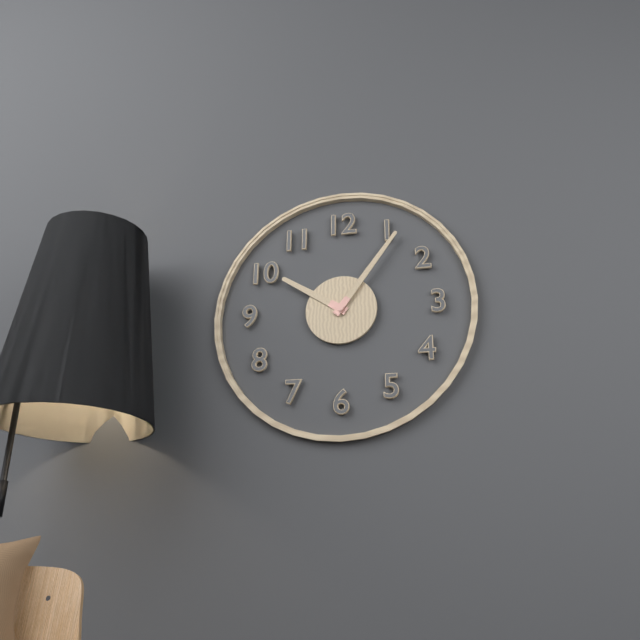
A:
10.06
